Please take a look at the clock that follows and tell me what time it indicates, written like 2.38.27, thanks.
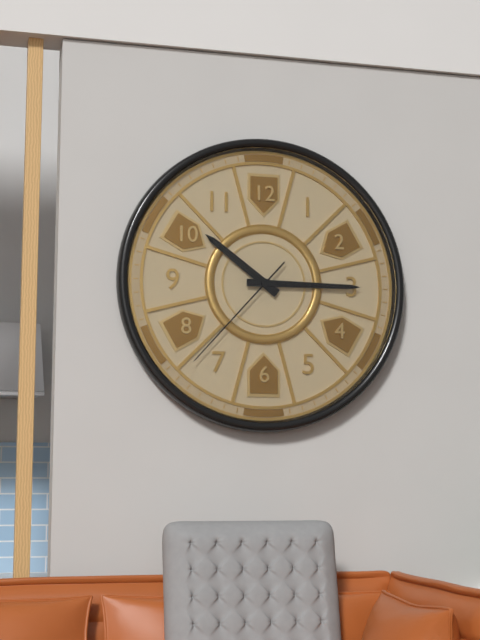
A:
10.15.37
